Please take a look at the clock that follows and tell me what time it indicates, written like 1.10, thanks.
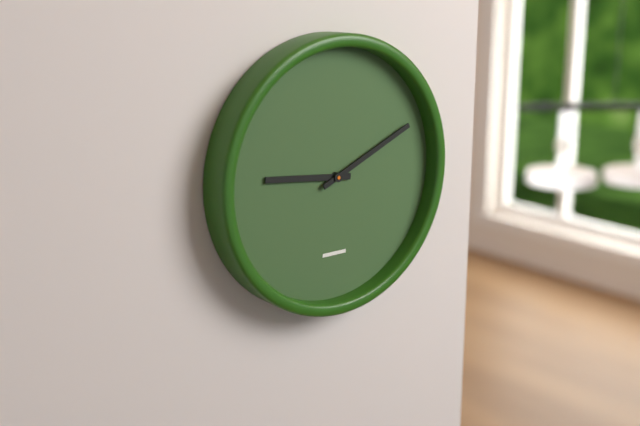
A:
9.11
